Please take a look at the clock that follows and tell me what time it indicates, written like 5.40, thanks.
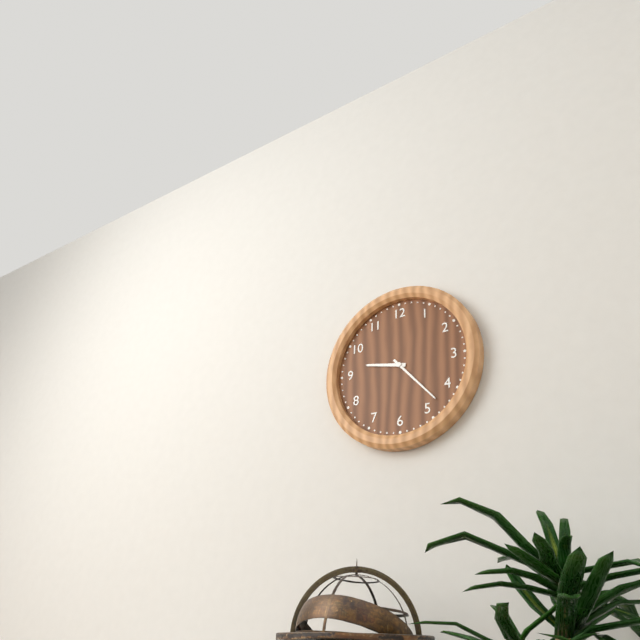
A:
9.23
